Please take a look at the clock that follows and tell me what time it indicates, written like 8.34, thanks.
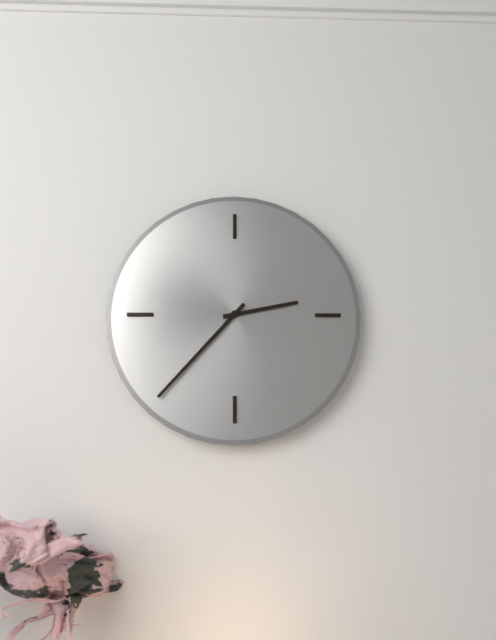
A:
2.37
